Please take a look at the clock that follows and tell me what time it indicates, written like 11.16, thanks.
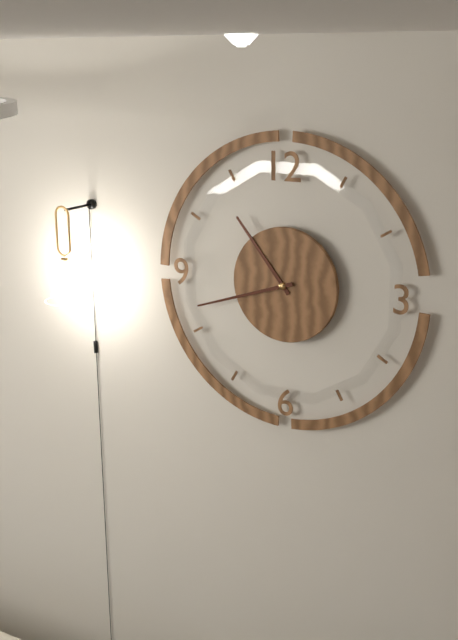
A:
10.42
